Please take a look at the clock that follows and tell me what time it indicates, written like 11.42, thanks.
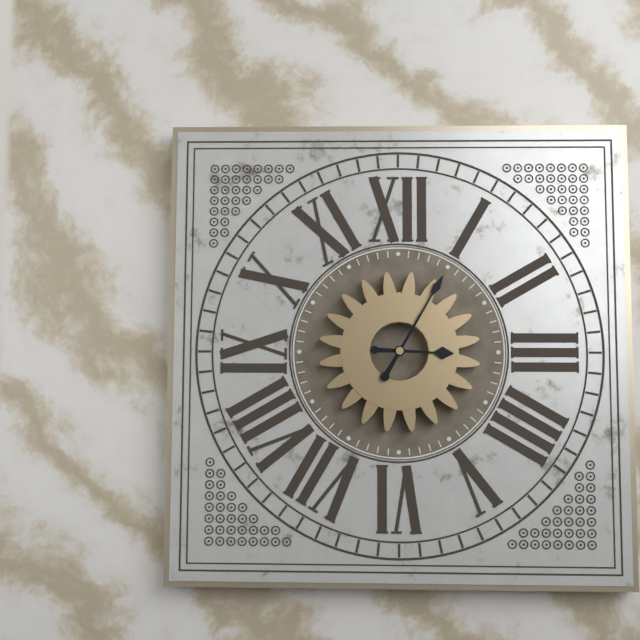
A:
3.05
